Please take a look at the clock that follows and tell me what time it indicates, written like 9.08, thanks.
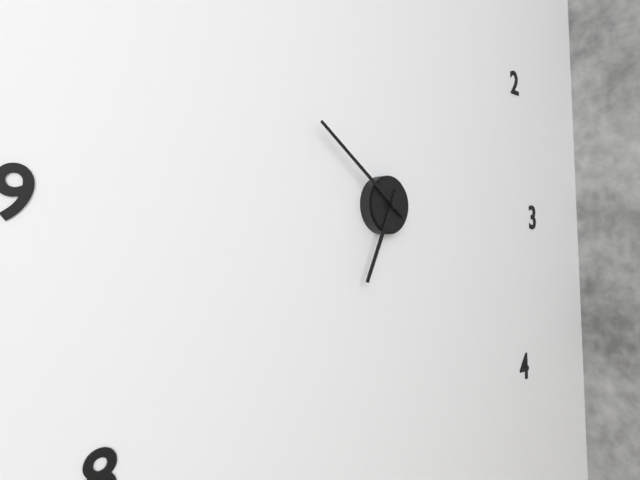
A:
6.51
